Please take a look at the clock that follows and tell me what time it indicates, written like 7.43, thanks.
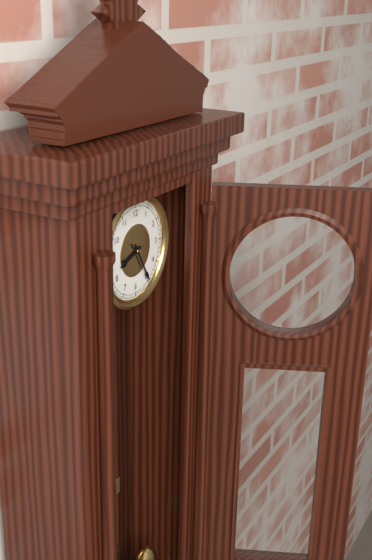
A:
8.25
